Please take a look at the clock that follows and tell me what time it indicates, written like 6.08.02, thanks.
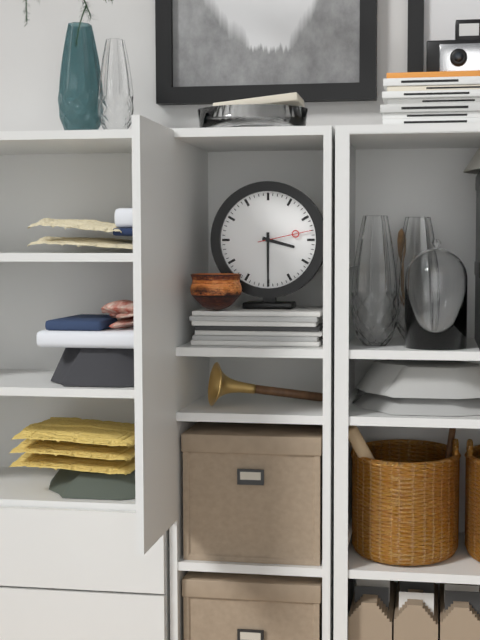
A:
3.30.13
